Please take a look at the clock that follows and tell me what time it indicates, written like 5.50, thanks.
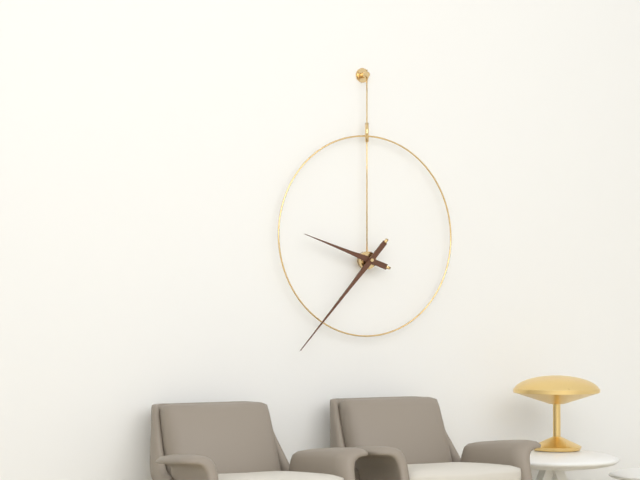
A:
9.37
